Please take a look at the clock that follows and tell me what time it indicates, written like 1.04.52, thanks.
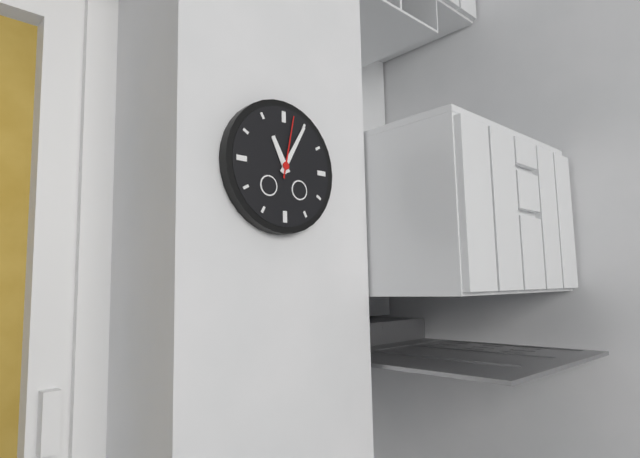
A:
11.05.02
